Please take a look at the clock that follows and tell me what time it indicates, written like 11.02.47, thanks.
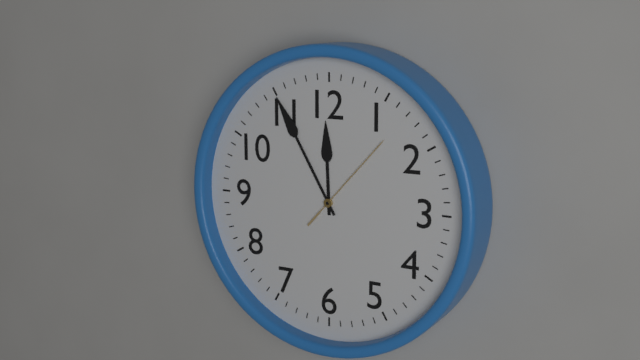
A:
11.55.07
